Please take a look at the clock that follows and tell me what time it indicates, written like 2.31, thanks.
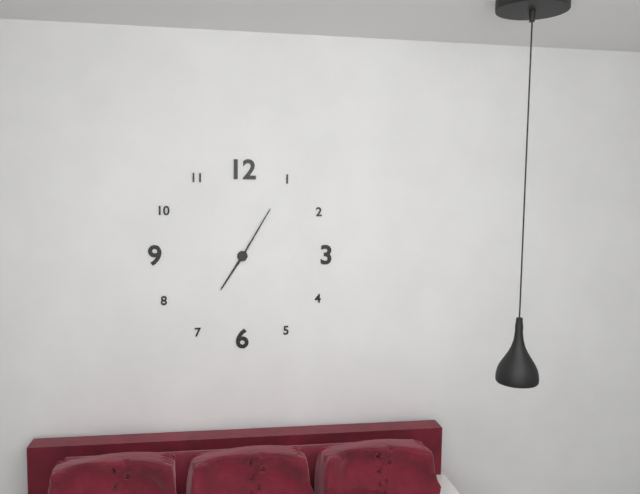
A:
7.05
